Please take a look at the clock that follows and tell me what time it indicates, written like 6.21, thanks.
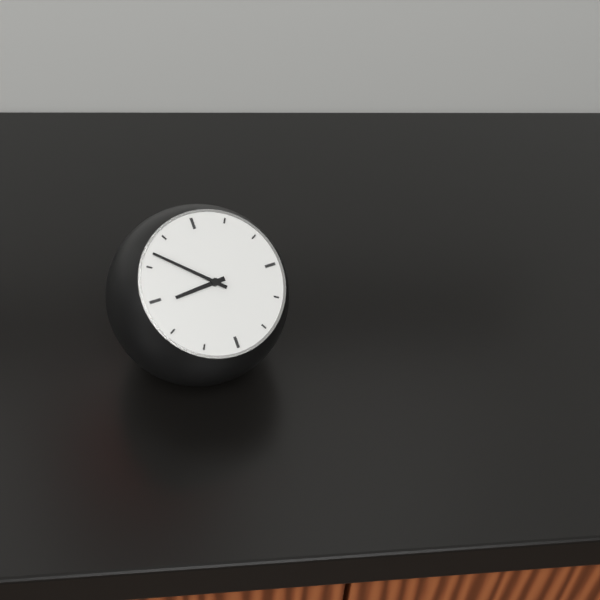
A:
8.52
